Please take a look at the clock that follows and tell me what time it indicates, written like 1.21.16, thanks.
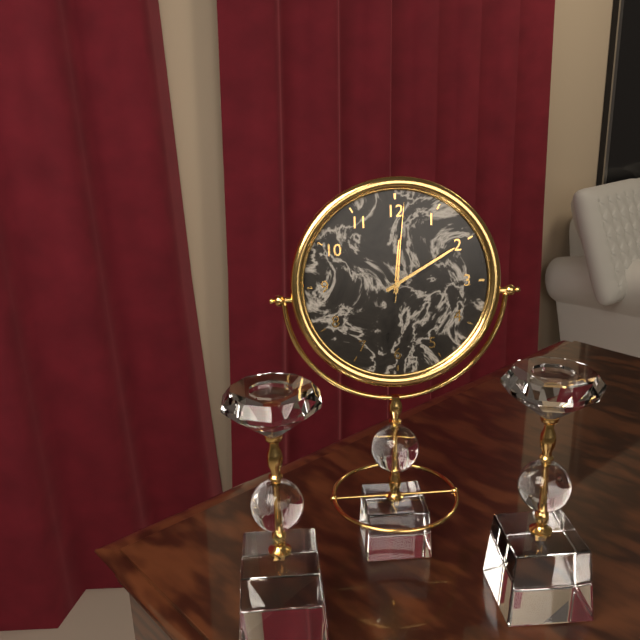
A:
12.10.01
